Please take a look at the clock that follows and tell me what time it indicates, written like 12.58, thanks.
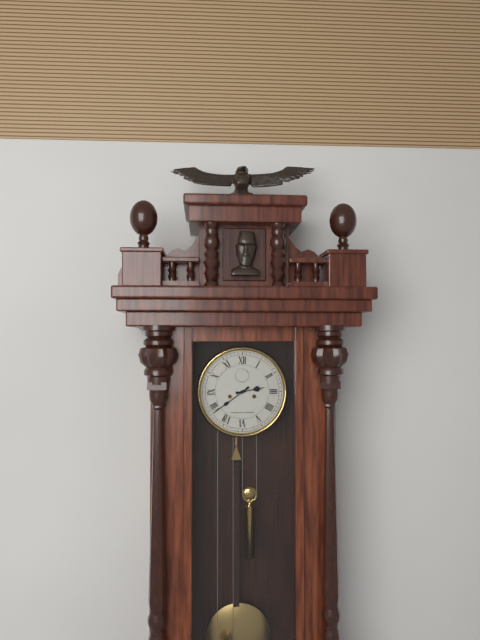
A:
2.39
